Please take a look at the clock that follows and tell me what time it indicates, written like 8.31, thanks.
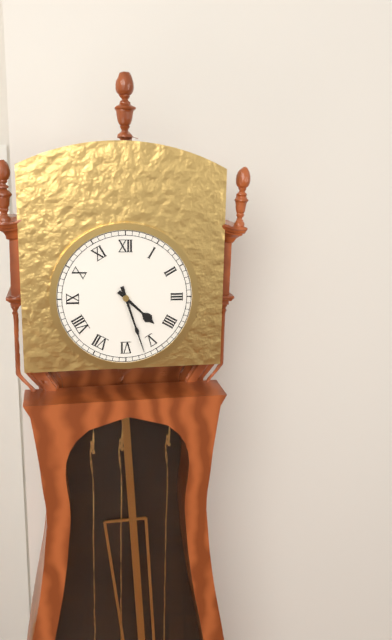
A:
4.27
